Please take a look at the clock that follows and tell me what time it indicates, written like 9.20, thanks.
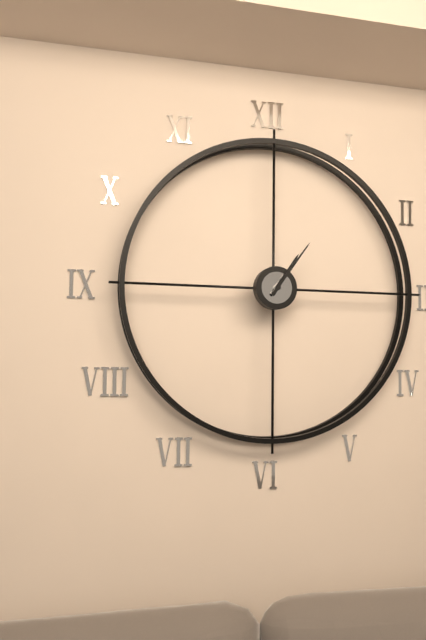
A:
1.06
